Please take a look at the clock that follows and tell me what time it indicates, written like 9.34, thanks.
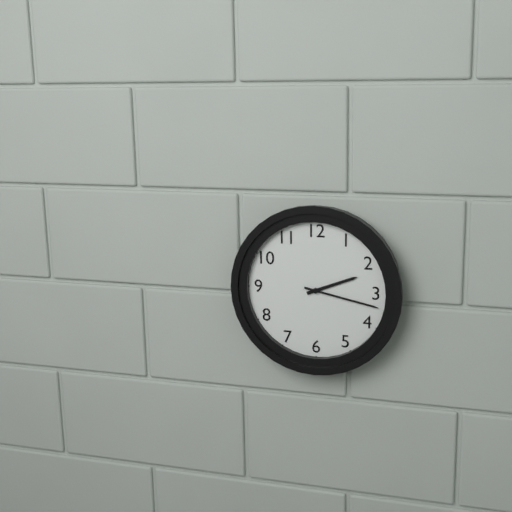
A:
2.17
